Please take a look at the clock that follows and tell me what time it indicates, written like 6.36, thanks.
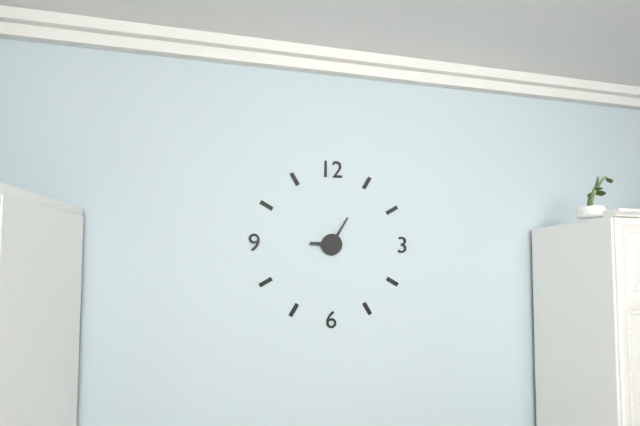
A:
9.05
